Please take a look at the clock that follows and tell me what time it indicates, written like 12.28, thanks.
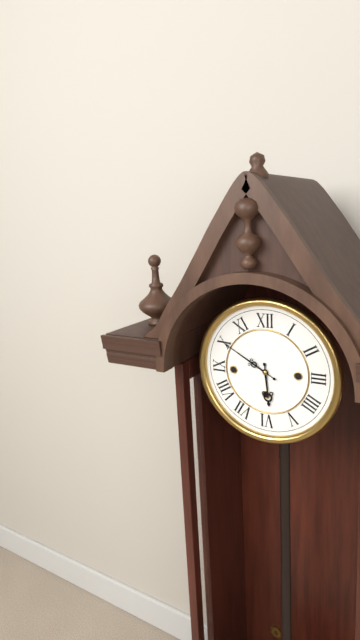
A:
5.50
